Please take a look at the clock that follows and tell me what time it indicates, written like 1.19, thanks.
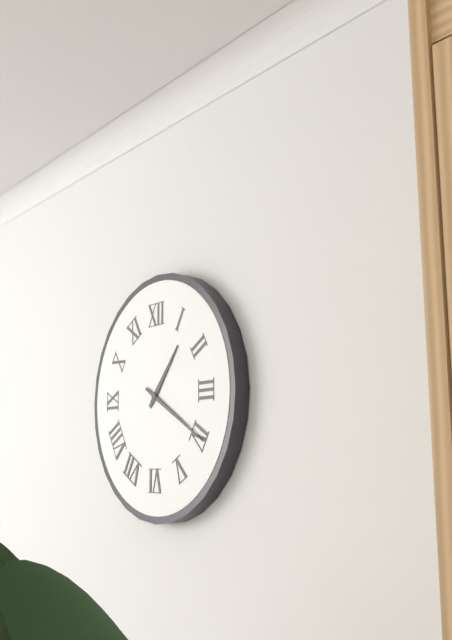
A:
1.20
